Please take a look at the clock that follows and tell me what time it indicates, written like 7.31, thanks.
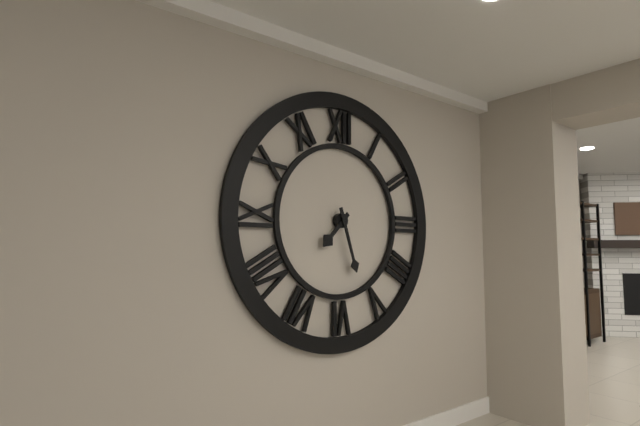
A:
7.27
